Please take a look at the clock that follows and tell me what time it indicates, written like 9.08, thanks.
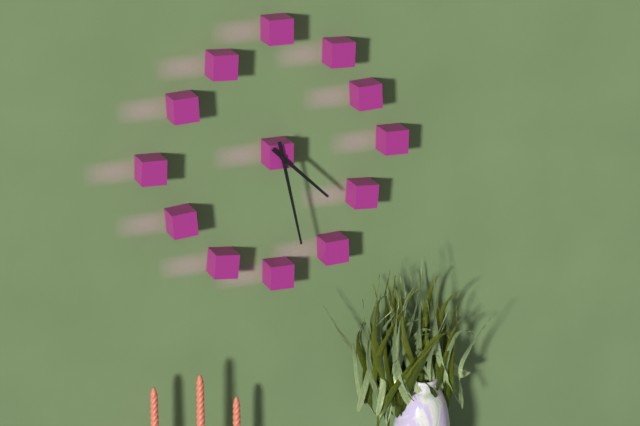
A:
4.28
